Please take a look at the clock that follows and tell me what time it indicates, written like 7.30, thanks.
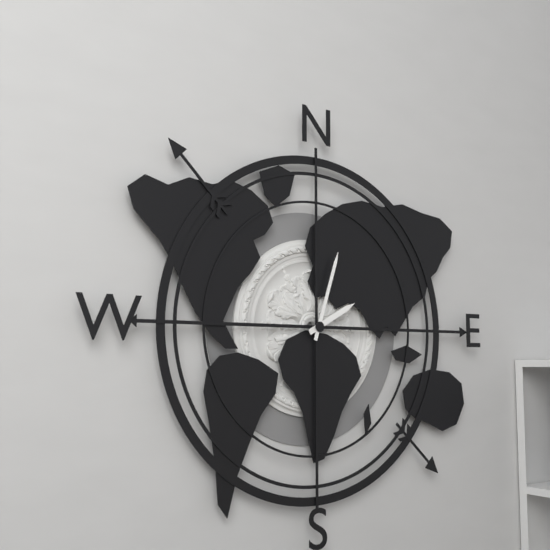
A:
2.03
